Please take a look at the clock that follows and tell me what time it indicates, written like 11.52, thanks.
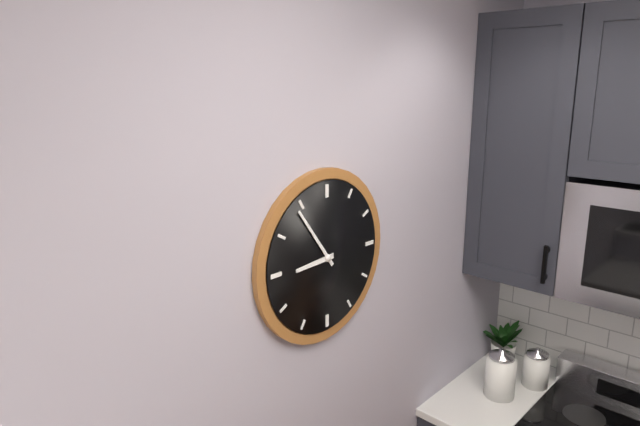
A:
8.54
